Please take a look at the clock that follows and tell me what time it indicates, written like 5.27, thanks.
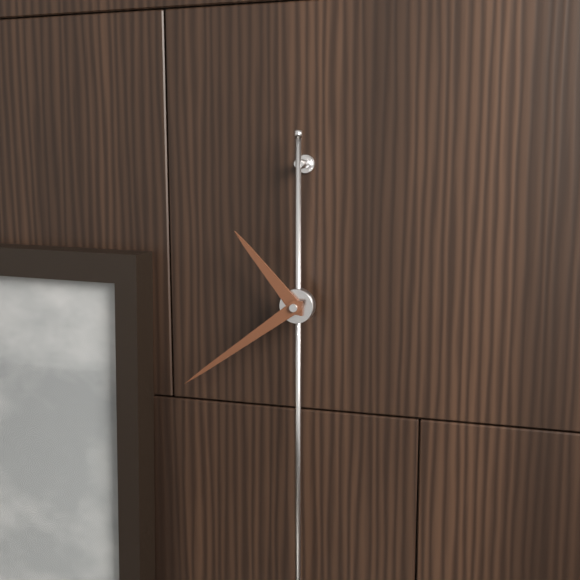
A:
10.39
